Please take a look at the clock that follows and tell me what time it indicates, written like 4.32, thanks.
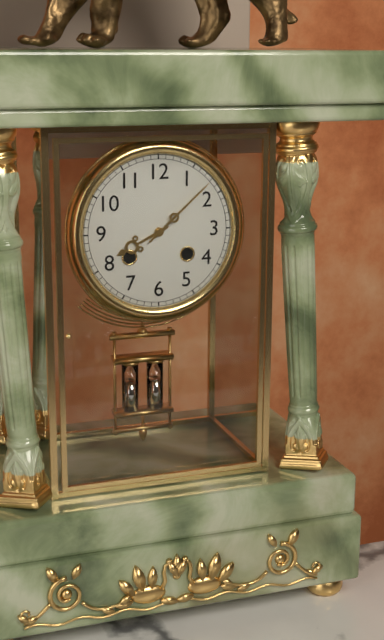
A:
8.08
